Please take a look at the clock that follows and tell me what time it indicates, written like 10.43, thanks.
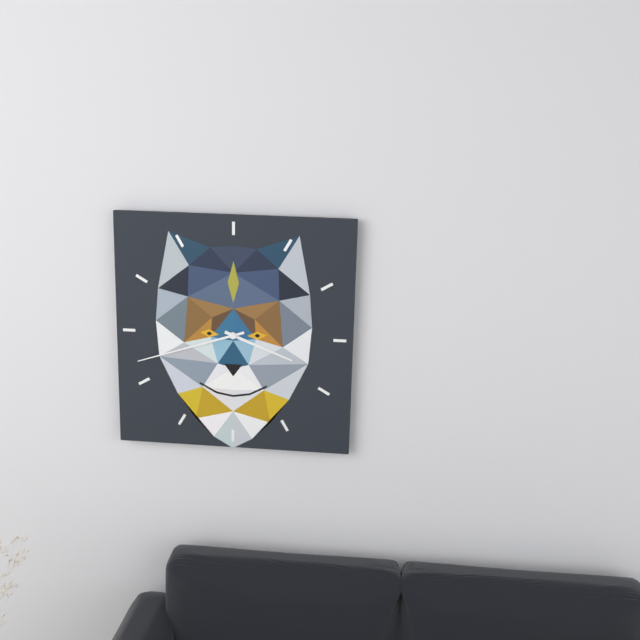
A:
3.42
